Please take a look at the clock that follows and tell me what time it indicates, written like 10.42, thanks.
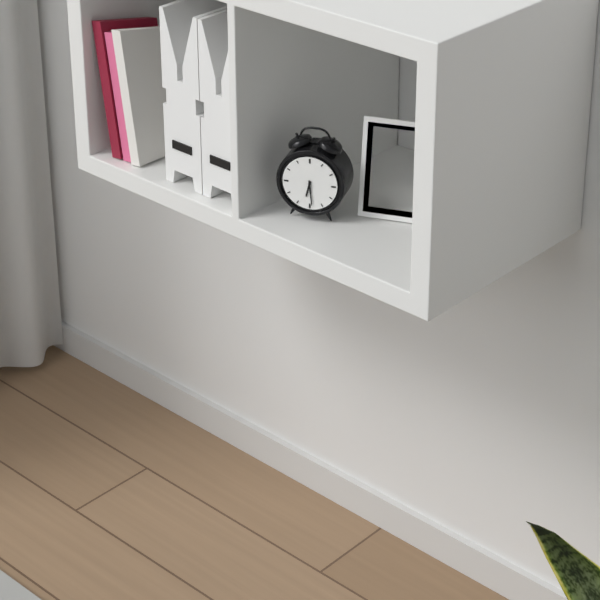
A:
6.29
